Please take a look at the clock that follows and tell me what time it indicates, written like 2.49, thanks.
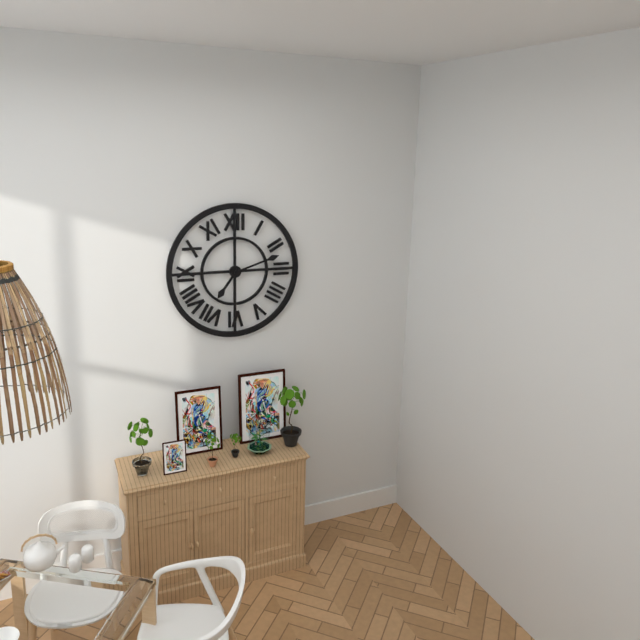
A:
7.12
